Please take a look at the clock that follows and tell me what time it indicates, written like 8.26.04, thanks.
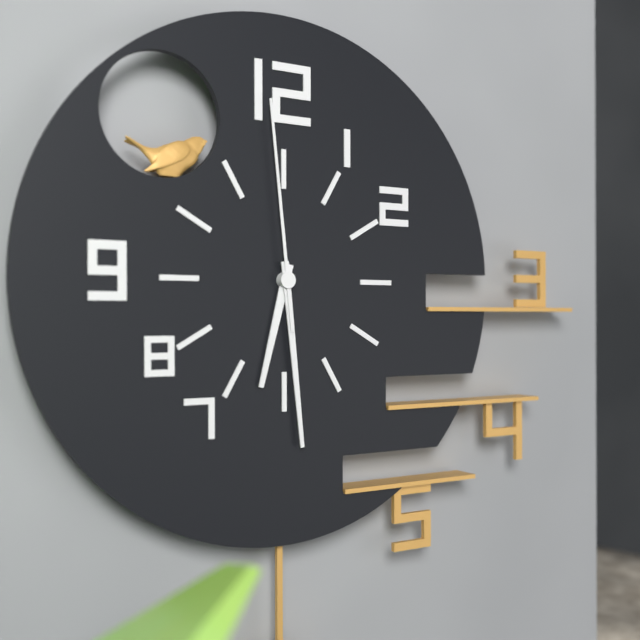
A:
6.29.59
